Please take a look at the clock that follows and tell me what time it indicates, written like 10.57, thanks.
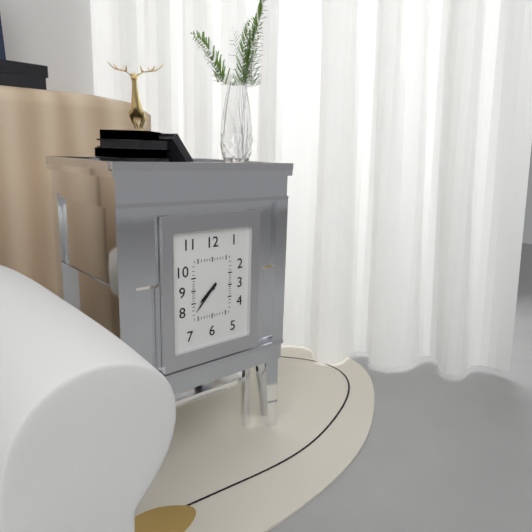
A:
7.37
